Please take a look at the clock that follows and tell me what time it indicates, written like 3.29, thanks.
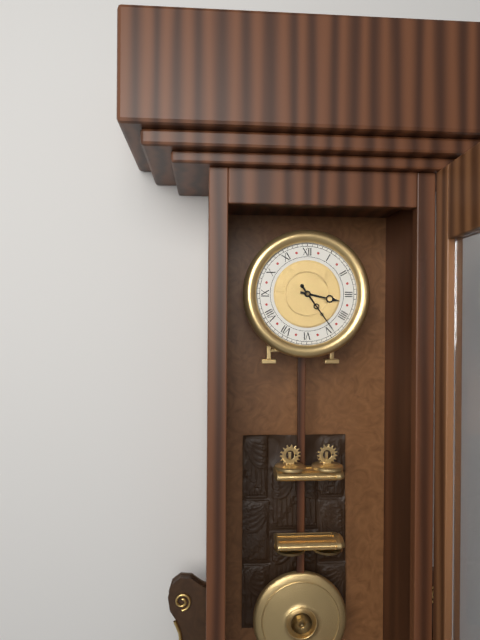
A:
3.24
